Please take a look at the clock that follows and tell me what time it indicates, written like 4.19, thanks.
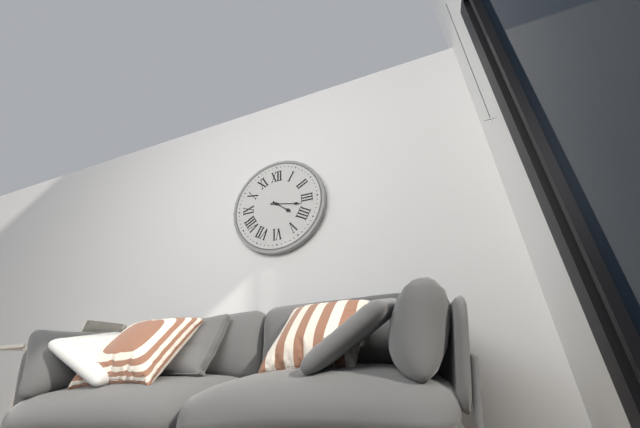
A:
4.17
